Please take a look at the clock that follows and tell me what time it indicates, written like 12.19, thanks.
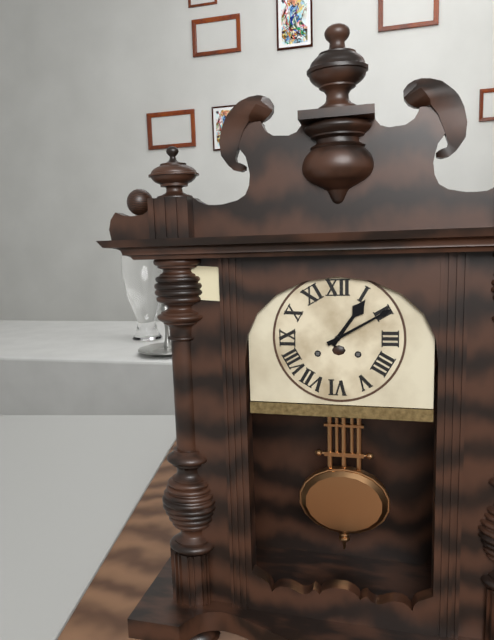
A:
1.10
